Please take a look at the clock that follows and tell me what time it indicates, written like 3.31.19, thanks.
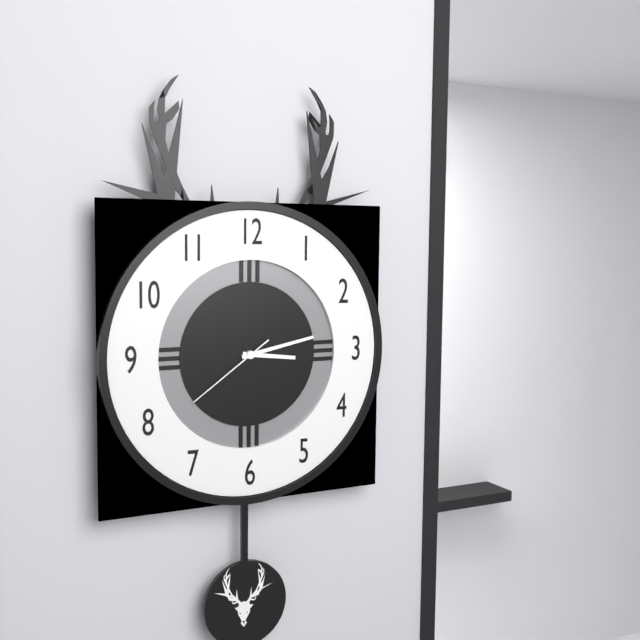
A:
3.13.39
